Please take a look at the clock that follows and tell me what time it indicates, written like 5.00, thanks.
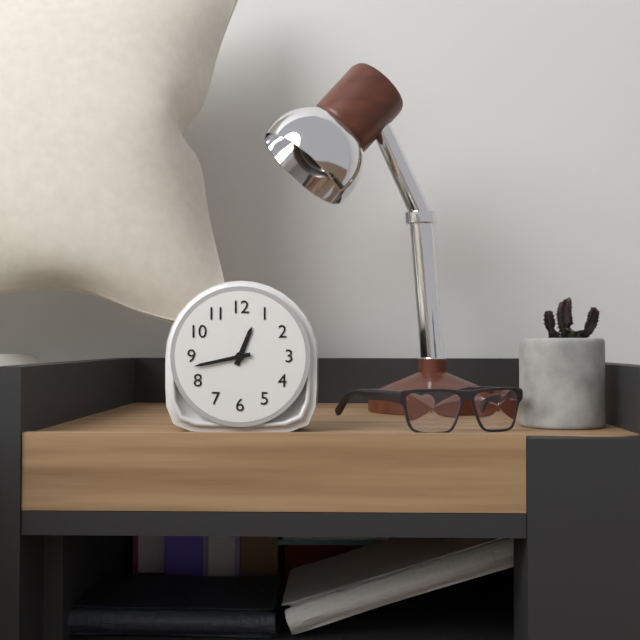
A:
12.43
